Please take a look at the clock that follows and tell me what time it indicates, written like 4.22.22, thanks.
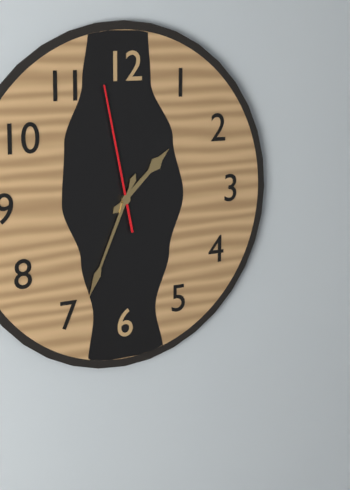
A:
1.34.58
